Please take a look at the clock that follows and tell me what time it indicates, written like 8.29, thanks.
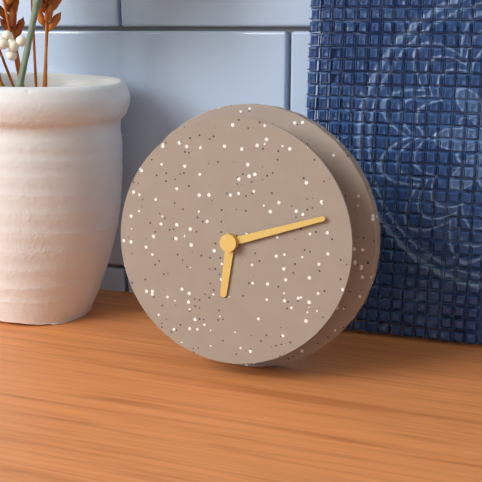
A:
6.12
